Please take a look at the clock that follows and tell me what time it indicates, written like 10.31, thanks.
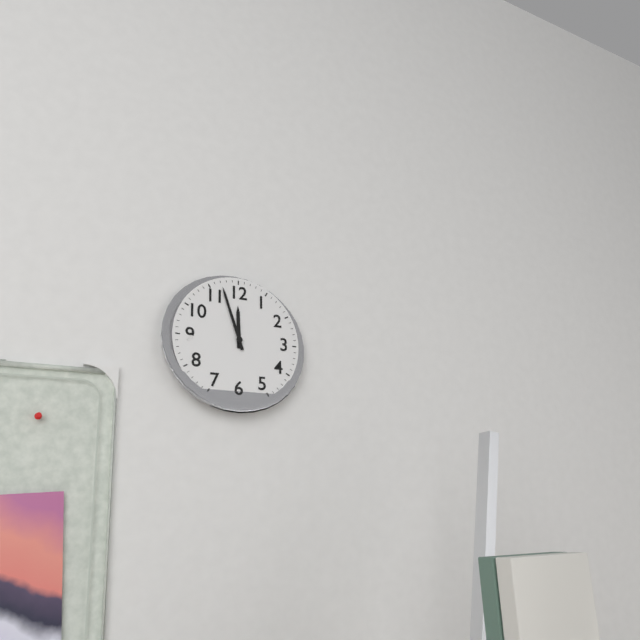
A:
11.57
